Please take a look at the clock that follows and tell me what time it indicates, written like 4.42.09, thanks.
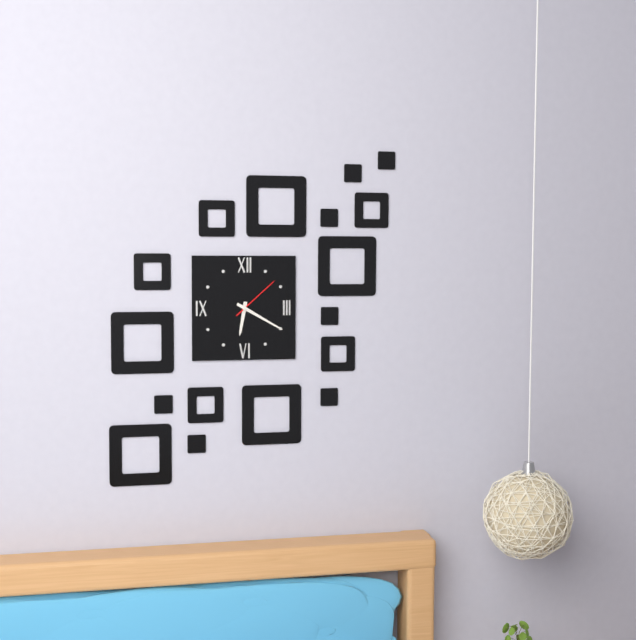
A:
6.20.08
